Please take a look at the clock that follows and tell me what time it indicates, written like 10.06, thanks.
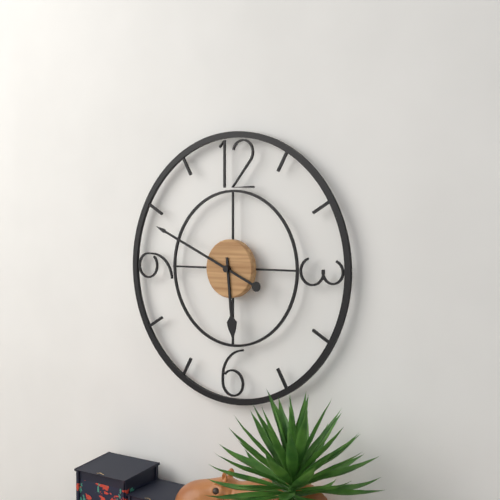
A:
5.49
